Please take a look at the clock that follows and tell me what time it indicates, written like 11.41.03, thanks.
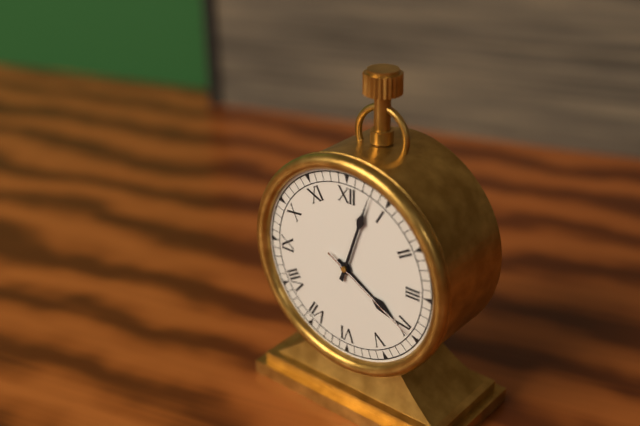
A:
4.03.20
